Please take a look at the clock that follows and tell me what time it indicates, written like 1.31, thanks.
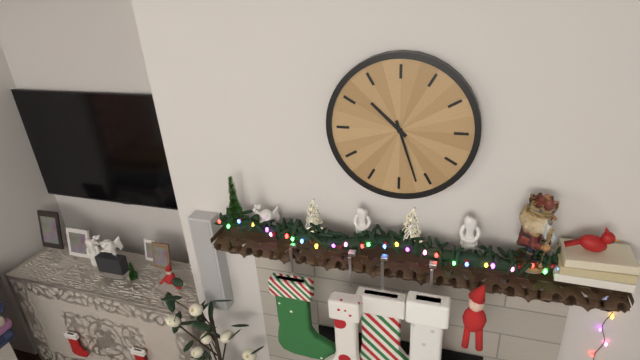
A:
10.27
